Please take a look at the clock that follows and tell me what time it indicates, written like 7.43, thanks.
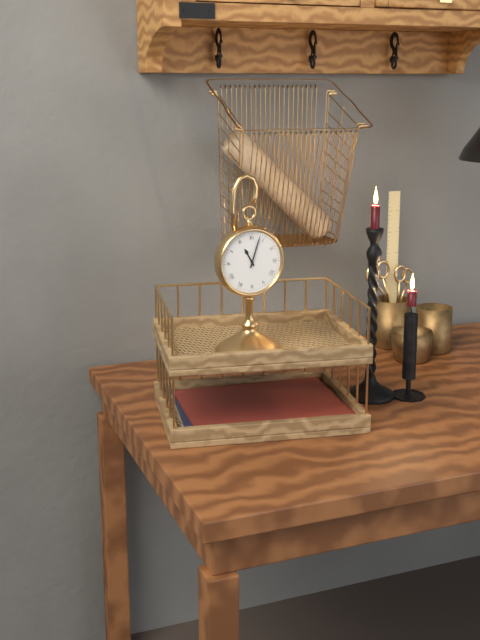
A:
11.03
